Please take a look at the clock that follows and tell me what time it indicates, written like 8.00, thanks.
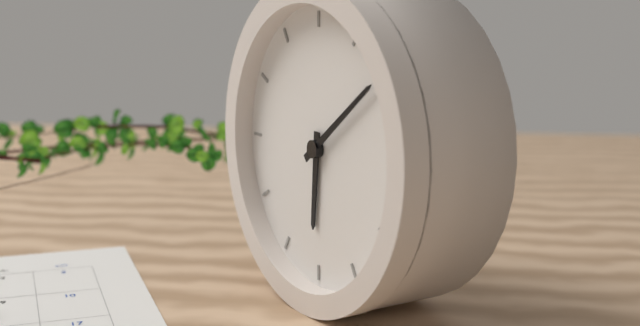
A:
6.09
